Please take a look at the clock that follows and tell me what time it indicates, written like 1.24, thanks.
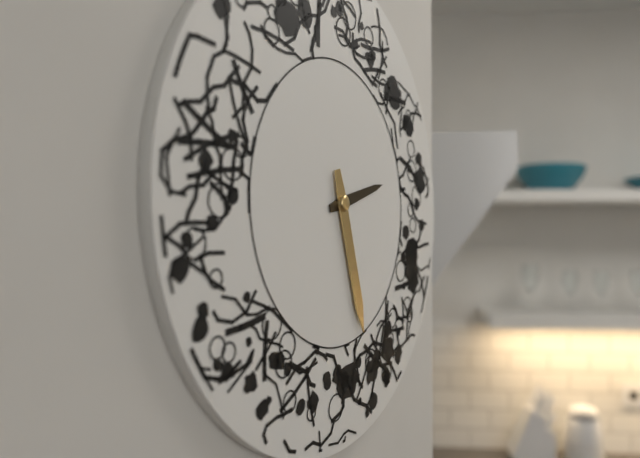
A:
2.27
